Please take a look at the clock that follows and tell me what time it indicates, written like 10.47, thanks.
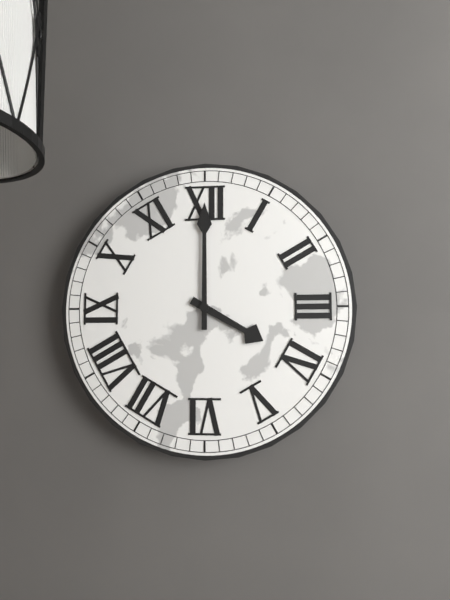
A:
4.00
